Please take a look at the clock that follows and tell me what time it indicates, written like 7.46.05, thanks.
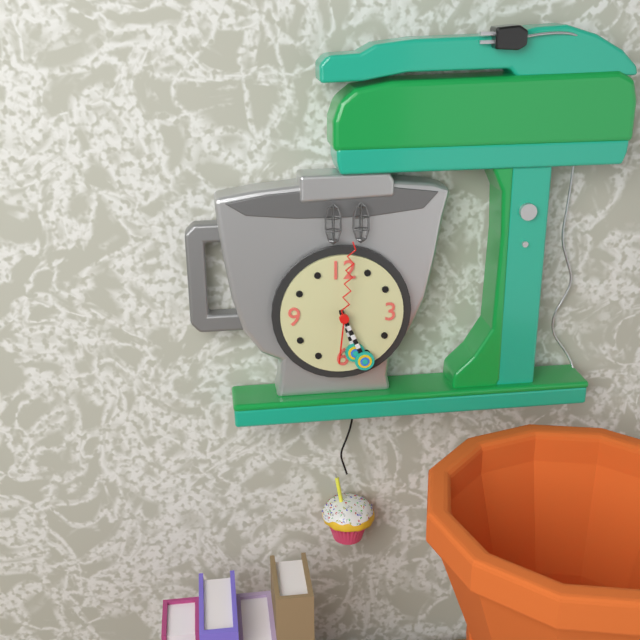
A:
5.26.01
